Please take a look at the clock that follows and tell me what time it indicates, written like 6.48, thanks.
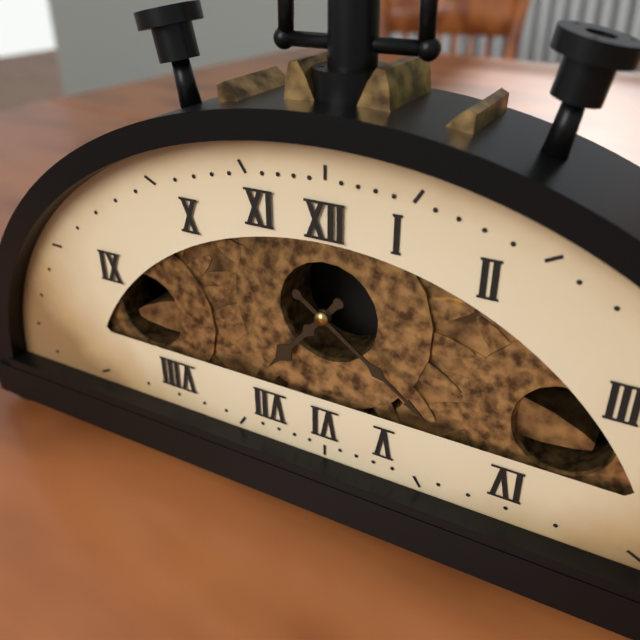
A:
7.21
